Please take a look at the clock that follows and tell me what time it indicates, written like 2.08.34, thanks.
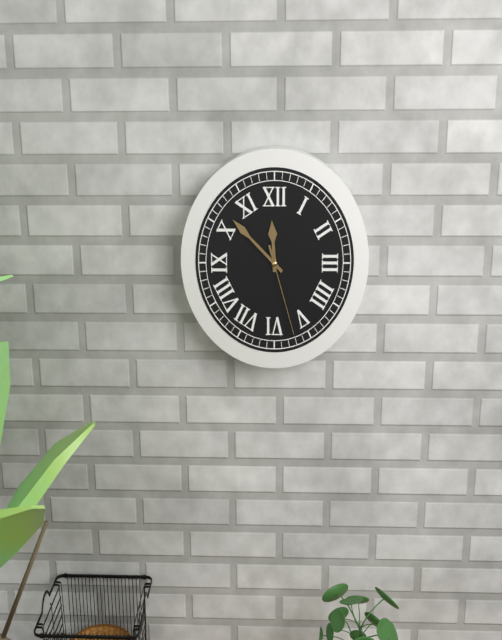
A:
11.52.27
